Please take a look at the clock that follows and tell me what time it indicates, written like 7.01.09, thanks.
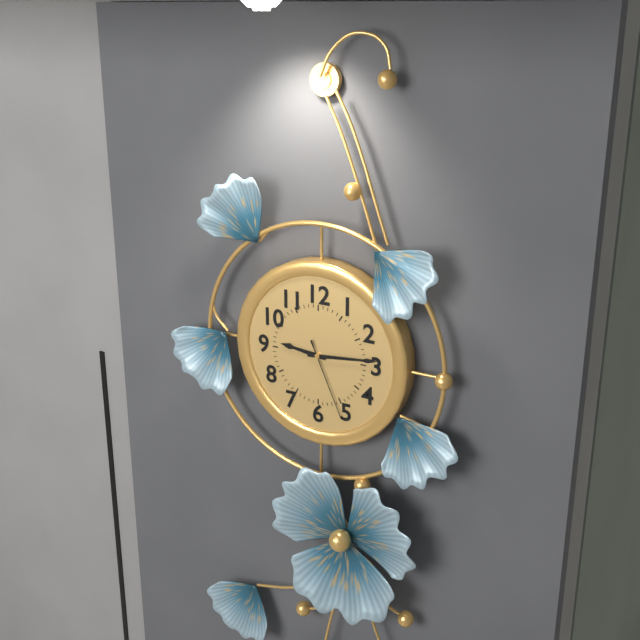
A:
9.14.26
